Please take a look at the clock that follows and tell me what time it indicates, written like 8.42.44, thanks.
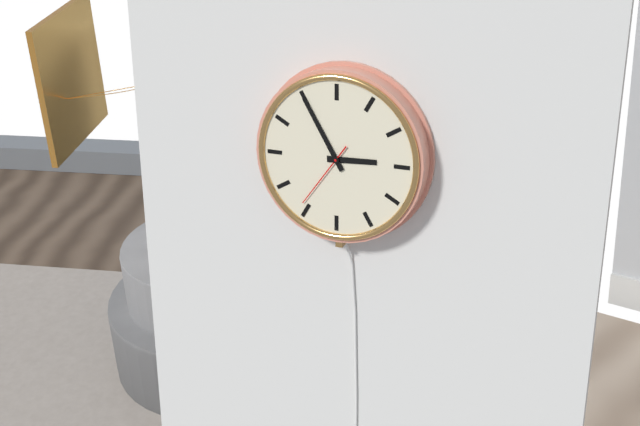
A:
2.55.36
